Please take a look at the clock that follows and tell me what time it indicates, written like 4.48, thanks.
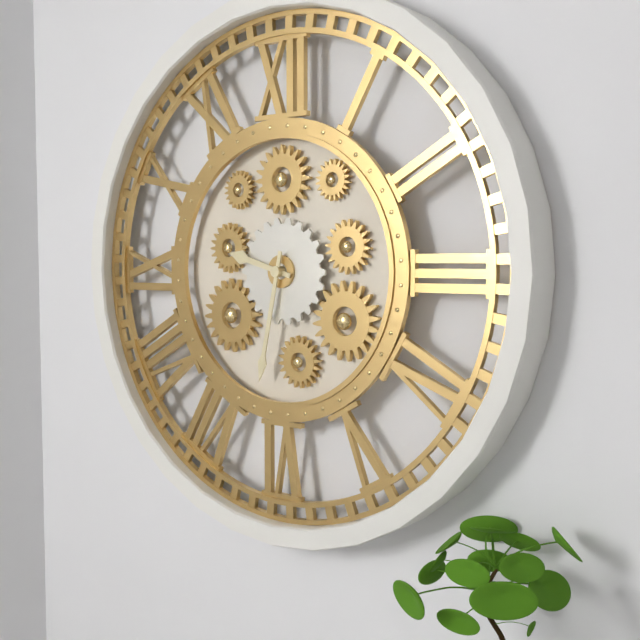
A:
9.32
